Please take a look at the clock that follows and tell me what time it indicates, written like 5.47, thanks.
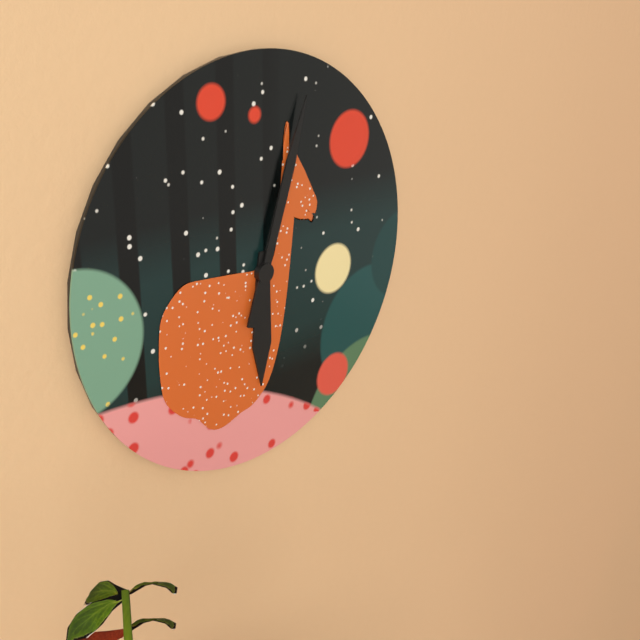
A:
6.03
